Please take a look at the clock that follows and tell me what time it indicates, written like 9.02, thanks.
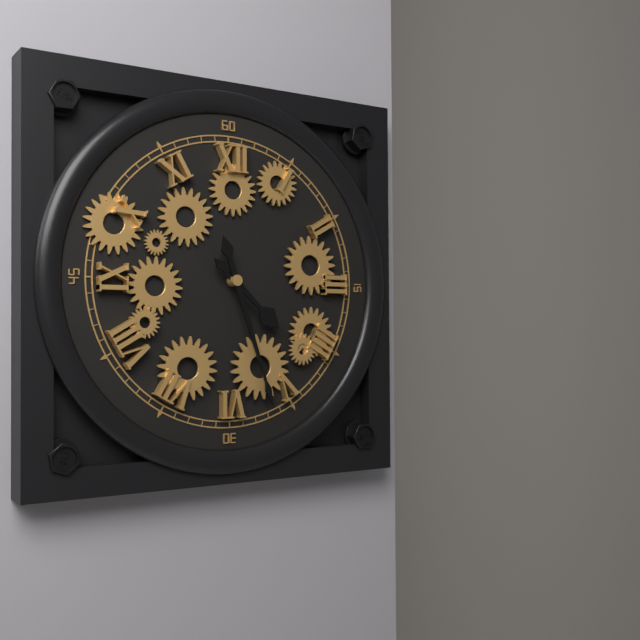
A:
4.27
